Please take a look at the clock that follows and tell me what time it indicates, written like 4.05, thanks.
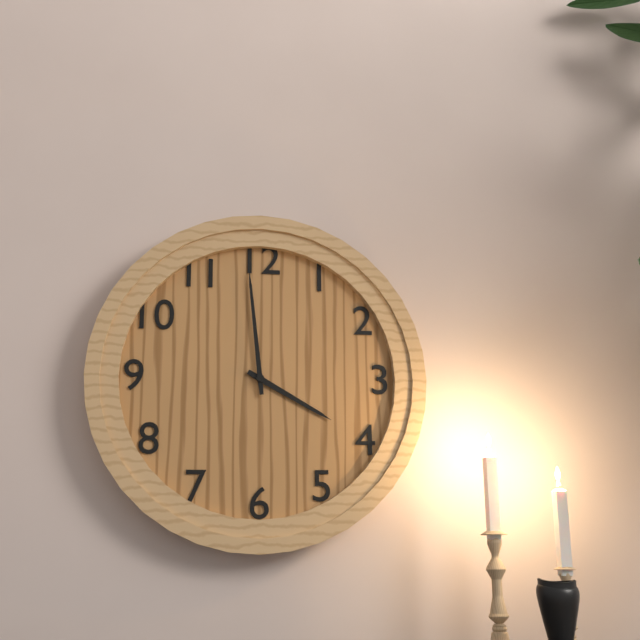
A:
3.59
